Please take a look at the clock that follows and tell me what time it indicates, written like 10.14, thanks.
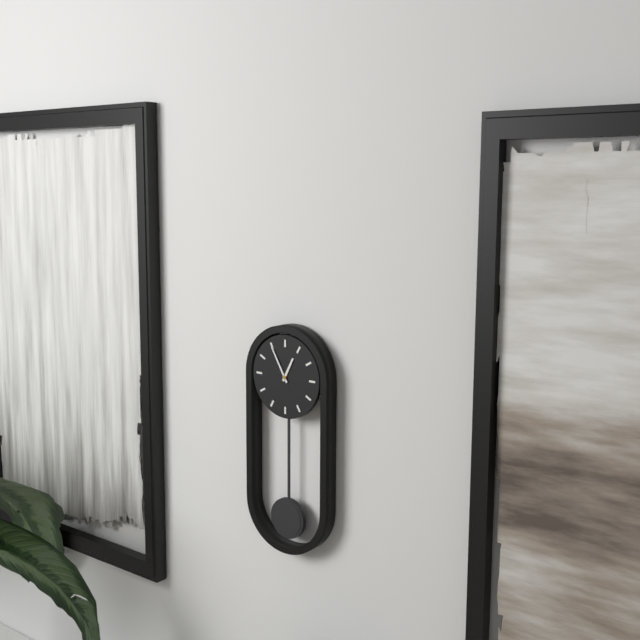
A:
12.55
